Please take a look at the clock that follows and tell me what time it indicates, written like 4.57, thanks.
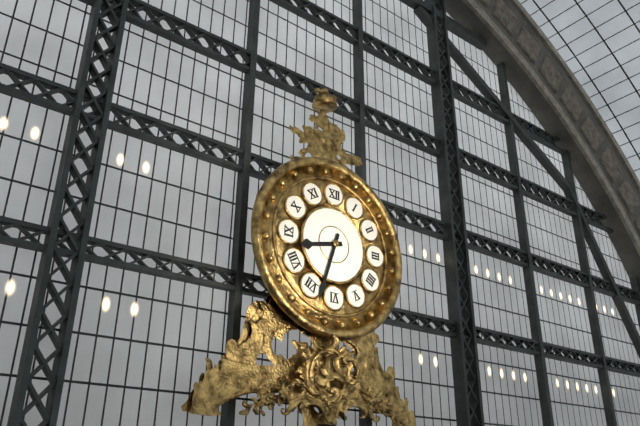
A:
8.33
